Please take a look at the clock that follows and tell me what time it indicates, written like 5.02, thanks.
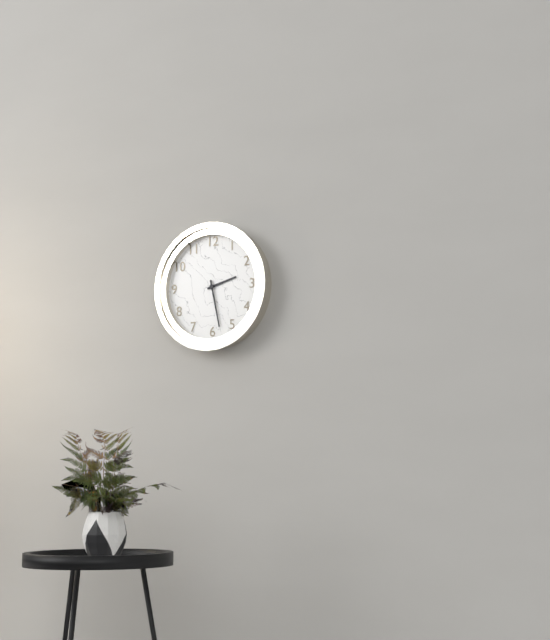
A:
2.28
